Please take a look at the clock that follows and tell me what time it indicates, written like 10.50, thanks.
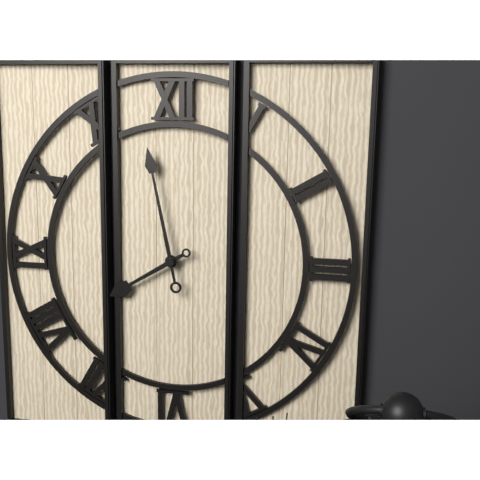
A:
7.58
